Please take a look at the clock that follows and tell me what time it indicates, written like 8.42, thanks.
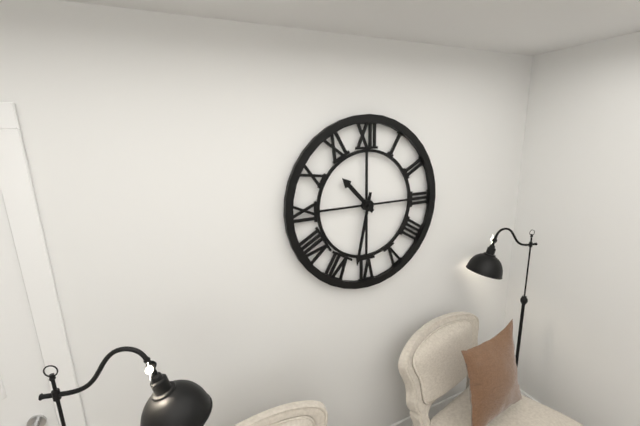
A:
10.32
